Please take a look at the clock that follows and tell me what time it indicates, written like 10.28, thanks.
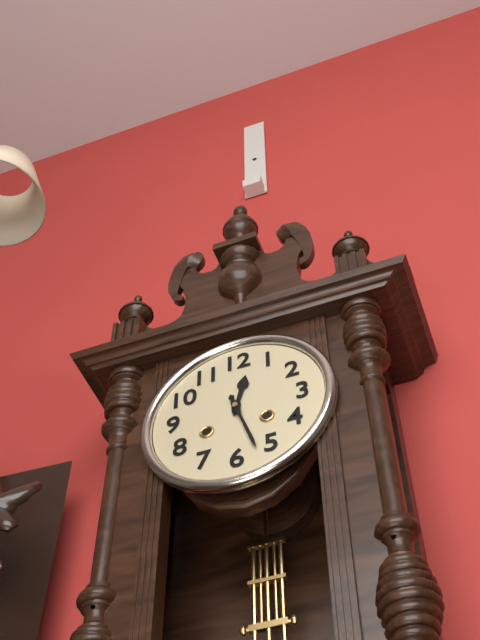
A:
12.27
